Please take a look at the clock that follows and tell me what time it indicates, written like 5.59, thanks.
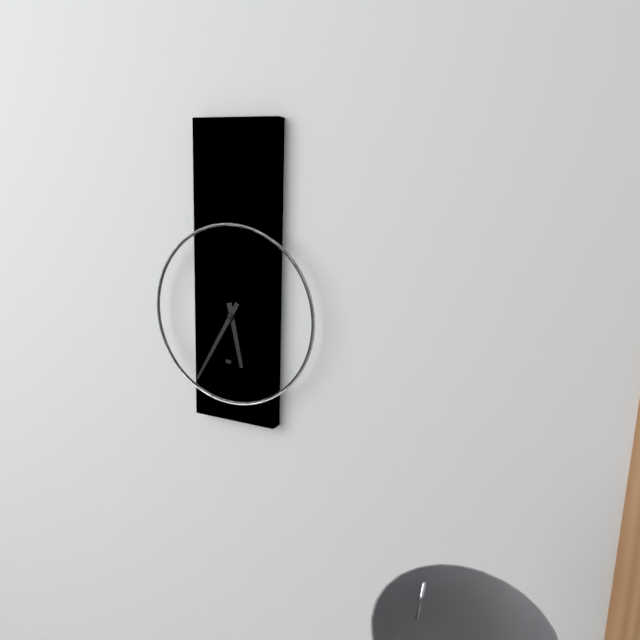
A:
5.35
